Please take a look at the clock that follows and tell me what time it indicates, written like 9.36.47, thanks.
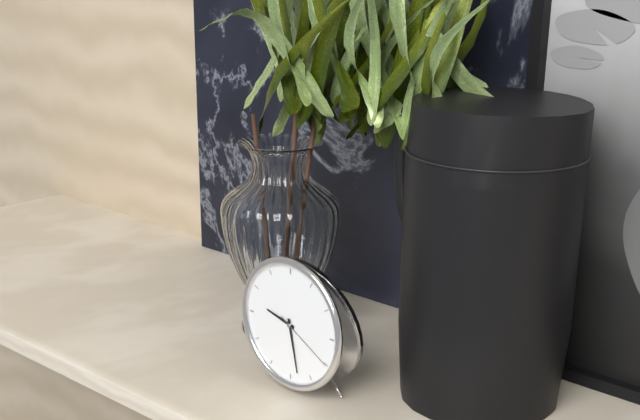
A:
9.28.20
